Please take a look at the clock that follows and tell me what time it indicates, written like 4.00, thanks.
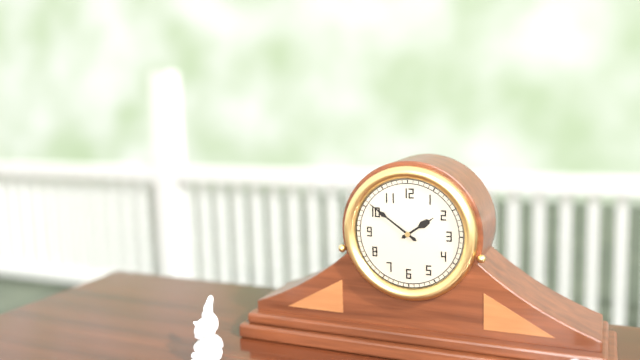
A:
1.51
